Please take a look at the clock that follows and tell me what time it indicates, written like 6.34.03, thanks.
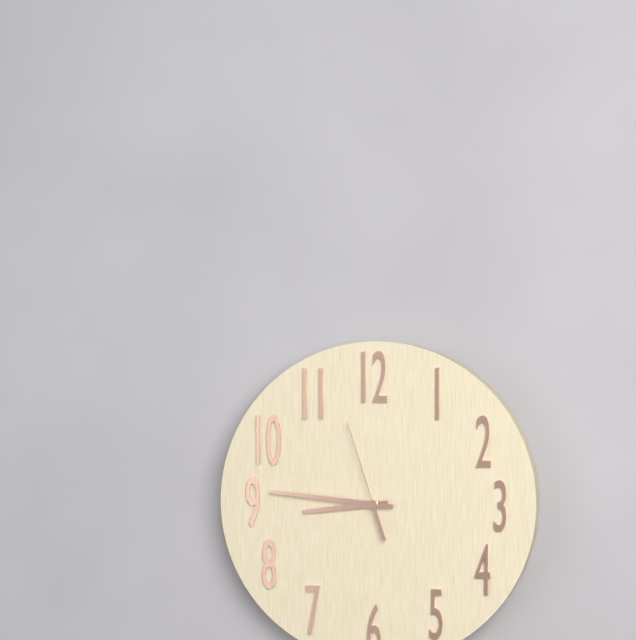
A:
8.46.57
